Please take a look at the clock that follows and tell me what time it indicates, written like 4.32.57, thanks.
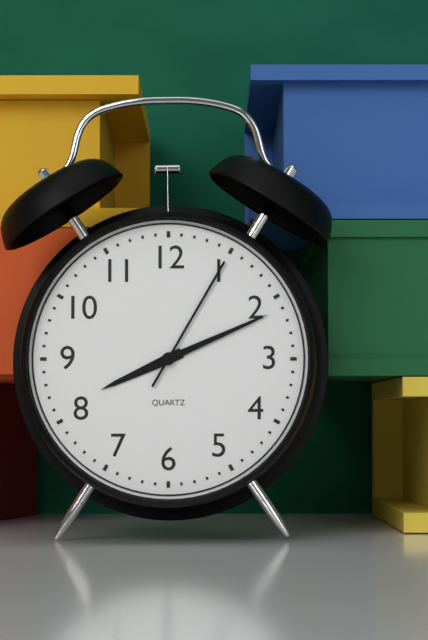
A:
8.11.05
